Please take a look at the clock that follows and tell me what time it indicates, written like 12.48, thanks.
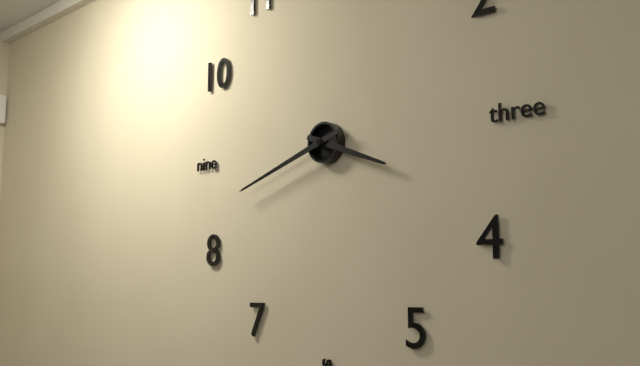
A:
3.42
